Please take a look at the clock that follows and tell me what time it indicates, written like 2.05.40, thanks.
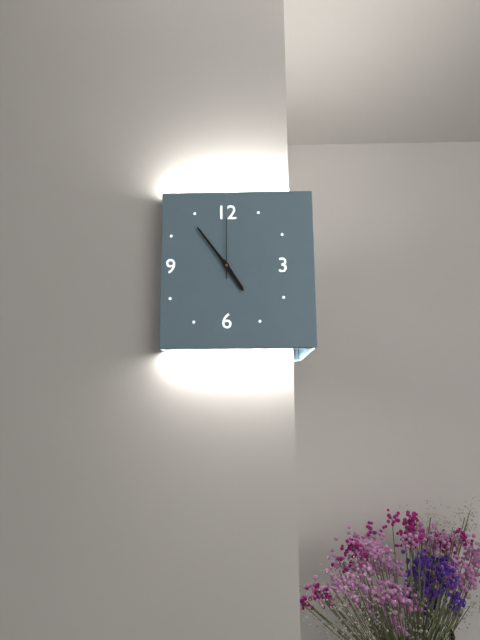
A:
4.54.00
